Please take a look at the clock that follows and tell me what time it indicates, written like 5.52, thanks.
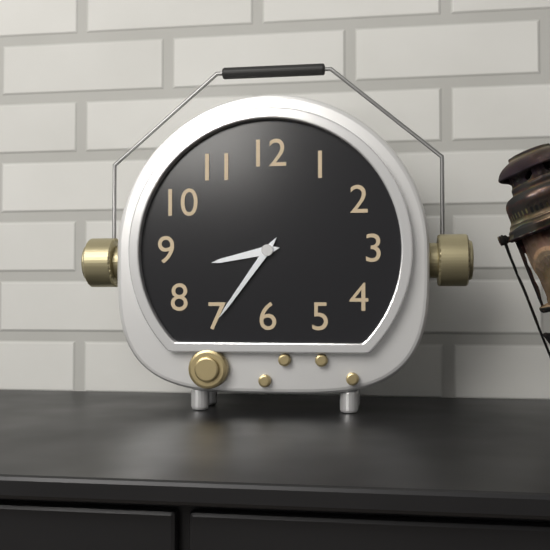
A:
8.36
